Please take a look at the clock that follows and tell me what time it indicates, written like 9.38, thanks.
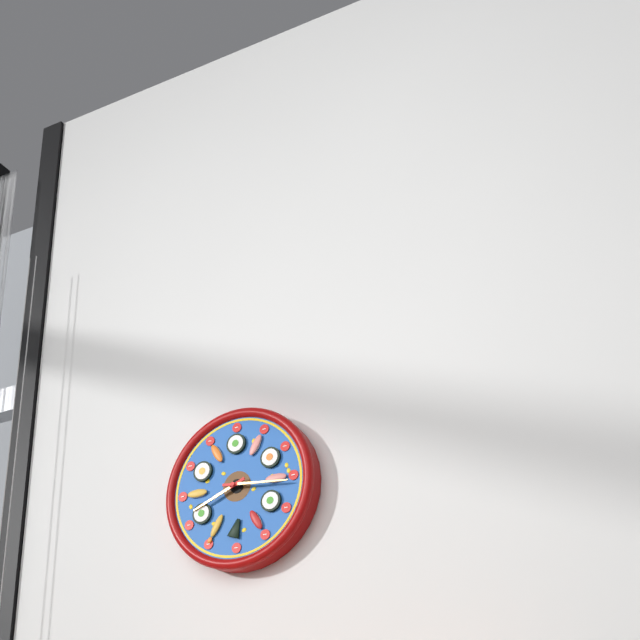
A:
8.16
